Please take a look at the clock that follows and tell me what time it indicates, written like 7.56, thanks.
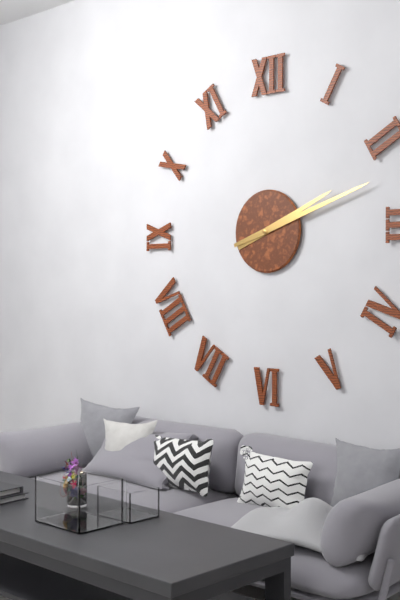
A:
2.12
